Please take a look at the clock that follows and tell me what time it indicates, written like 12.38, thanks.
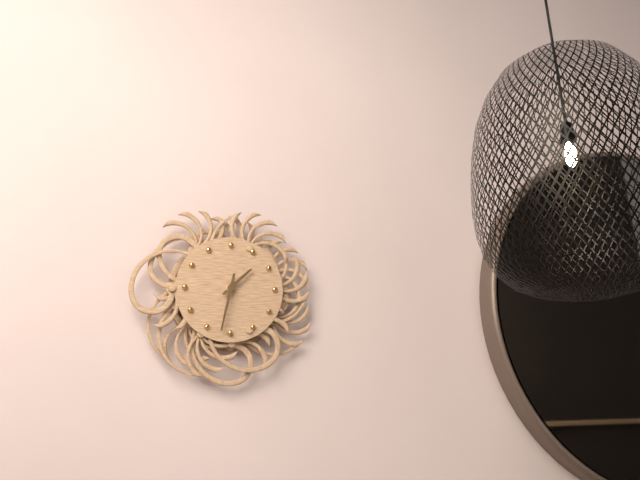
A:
1.32
